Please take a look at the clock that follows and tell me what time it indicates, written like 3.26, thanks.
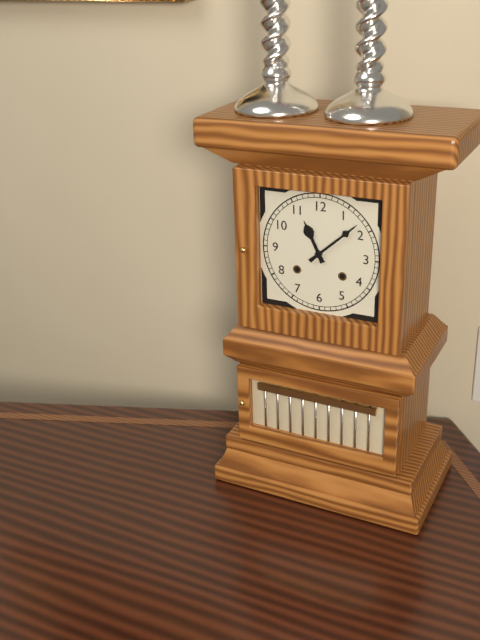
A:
11.08
